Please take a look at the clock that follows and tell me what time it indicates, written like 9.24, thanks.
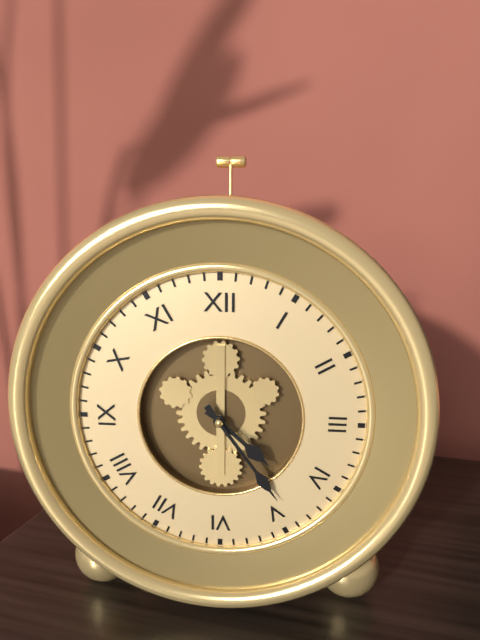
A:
4.24
